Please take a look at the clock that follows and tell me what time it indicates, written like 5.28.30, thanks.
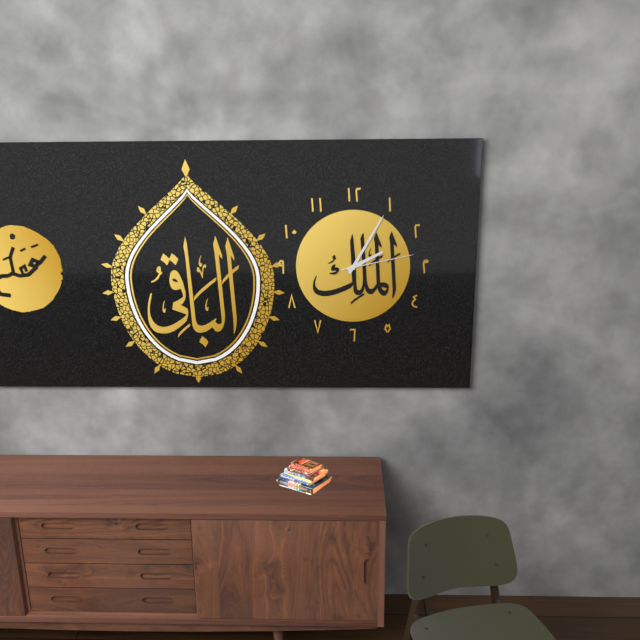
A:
2.05.13
